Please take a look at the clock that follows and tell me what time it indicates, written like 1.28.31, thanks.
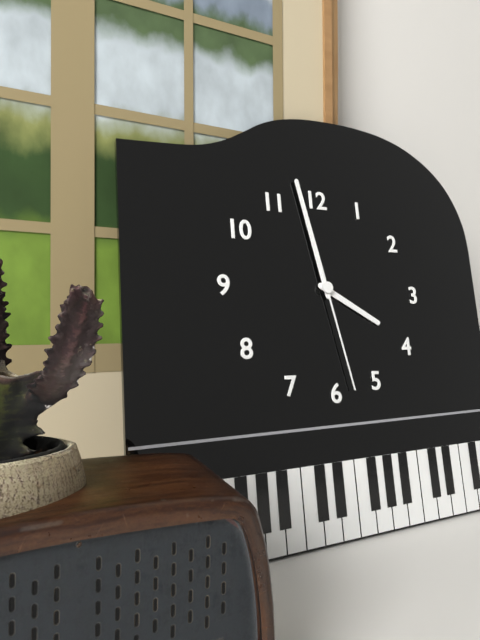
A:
3.58.28
